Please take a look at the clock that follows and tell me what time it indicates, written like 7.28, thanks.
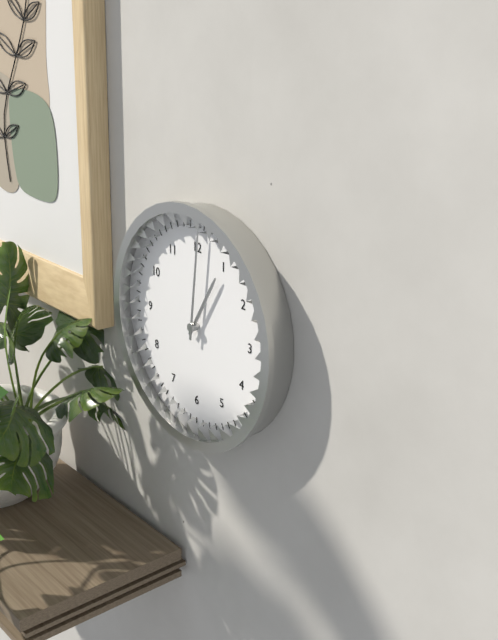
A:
1.01
